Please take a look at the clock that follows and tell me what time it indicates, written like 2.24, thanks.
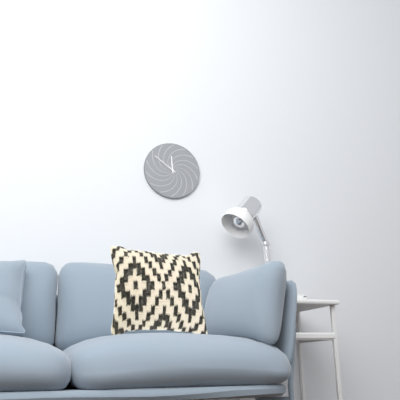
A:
11.51
